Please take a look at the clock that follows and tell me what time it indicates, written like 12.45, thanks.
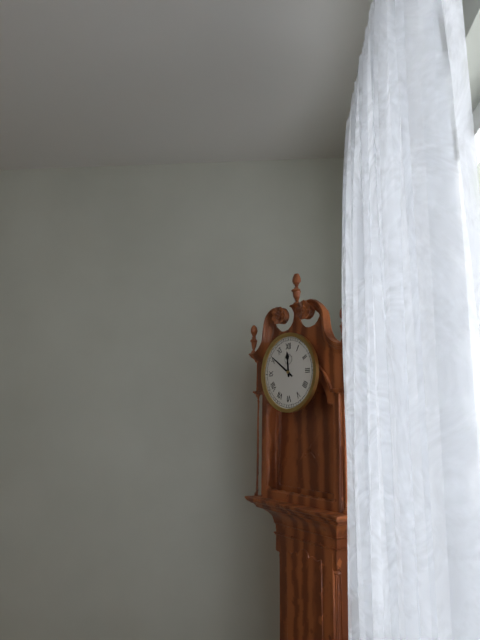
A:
11.51
